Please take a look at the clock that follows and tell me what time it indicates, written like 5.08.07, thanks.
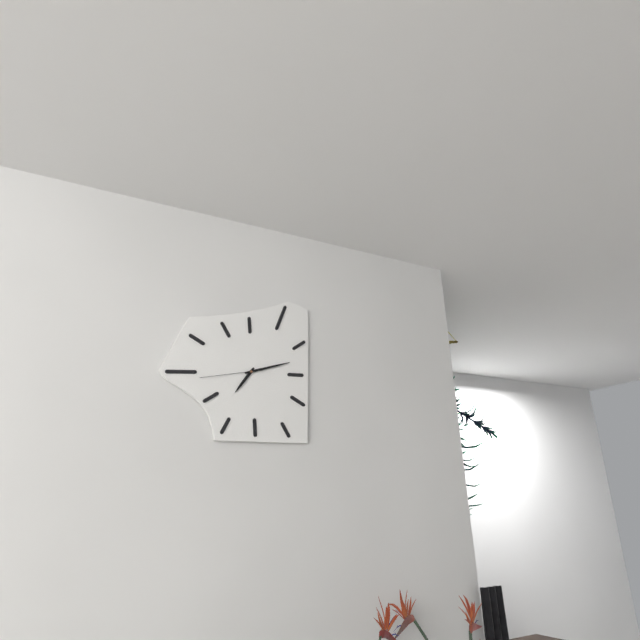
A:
7.12.43
